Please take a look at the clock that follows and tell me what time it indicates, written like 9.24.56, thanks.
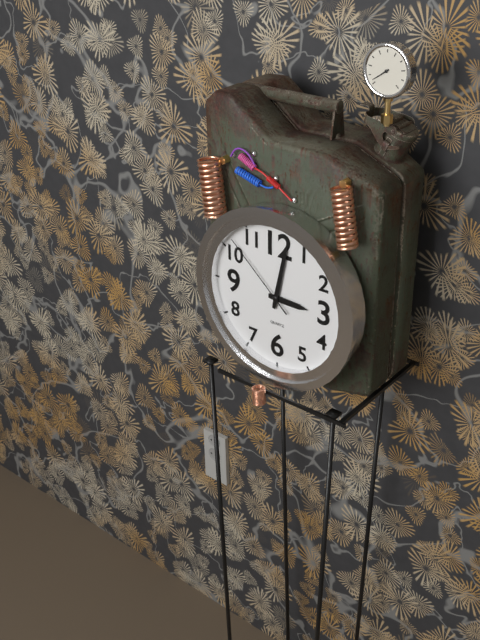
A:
3.02.52
